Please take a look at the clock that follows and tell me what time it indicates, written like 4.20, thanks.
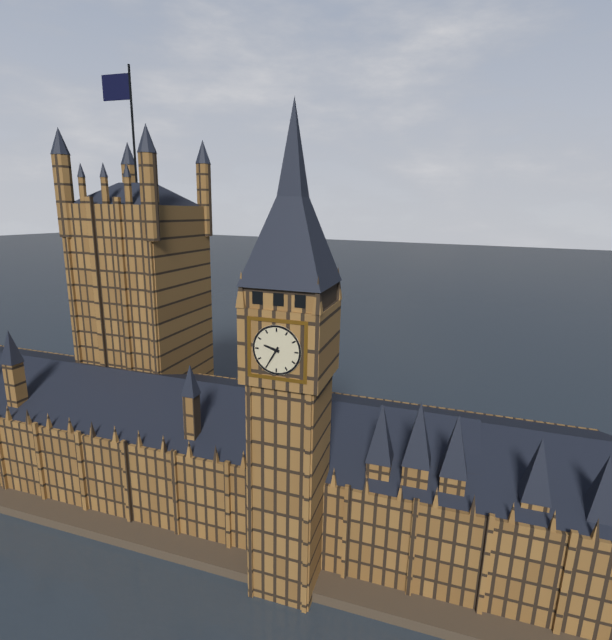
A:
9.35
